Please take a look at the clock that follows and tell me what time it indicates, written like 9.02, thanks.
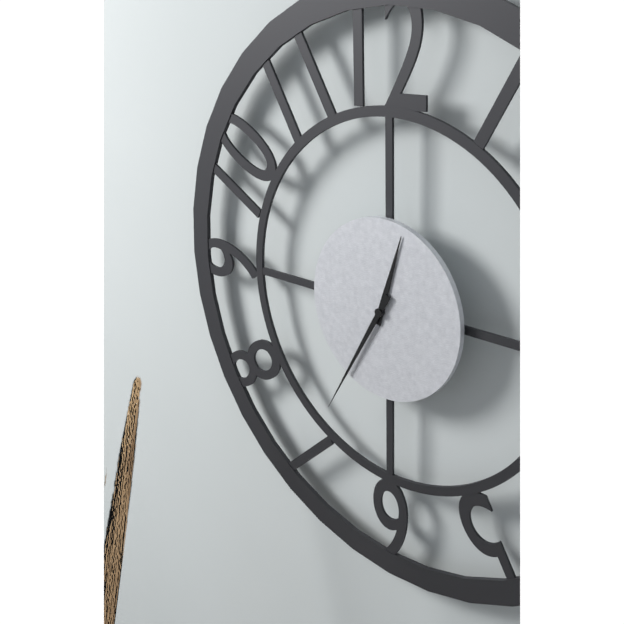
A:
12.35
